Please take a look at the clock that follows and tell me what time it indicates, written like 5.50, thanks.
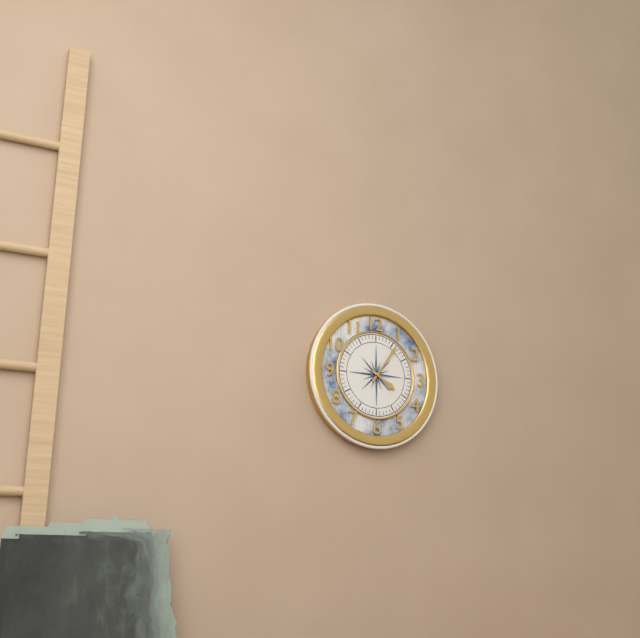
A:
4.06
